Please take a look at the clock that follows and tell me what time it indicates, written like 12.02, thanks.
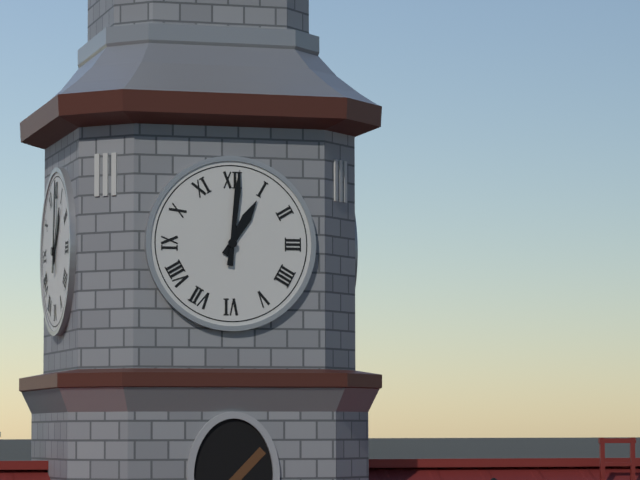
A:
1.01
